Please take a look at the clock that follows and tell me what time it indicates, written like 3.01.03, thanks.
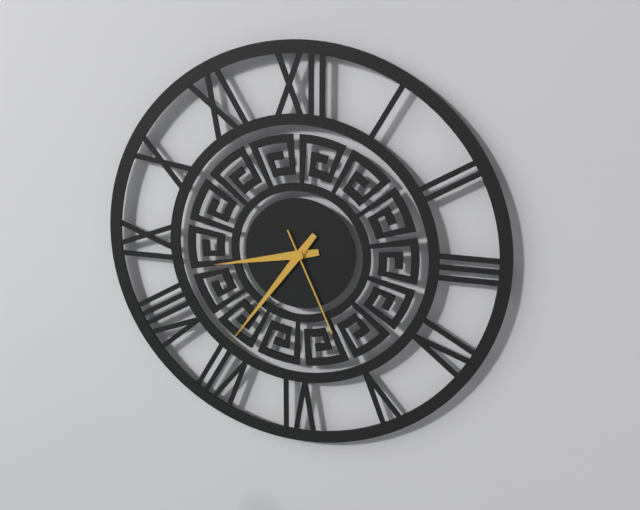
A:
8.36.26
